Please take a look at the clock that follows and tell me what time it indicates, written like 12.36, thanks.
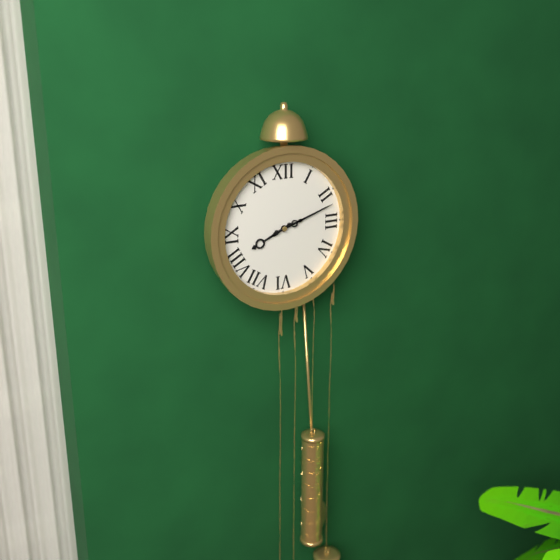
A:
8.12
